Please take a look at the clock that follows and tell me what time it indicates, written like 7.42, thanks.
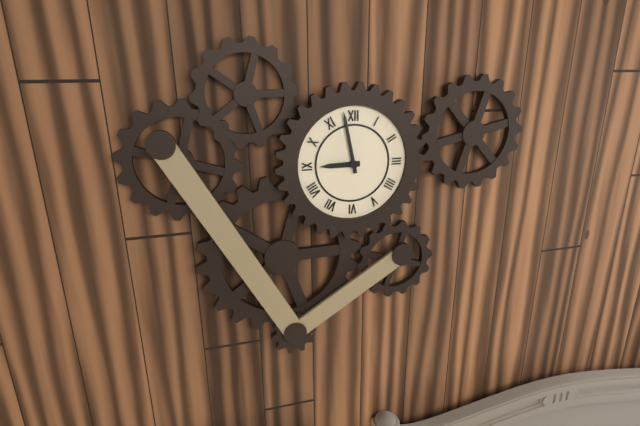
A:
8.58
